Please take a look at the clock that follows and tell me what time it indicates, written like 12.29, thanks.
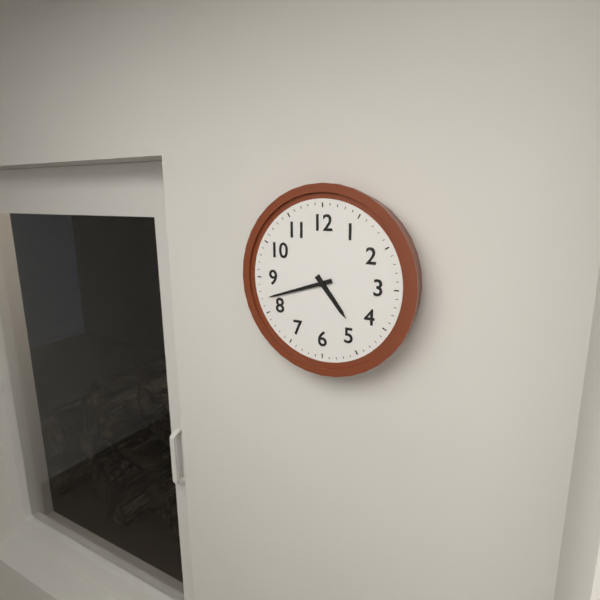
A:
4.42
